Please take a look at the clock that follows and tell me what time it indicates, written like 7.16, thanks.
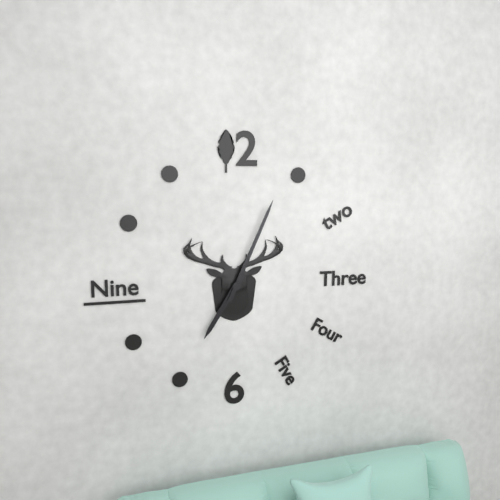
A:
7.04
